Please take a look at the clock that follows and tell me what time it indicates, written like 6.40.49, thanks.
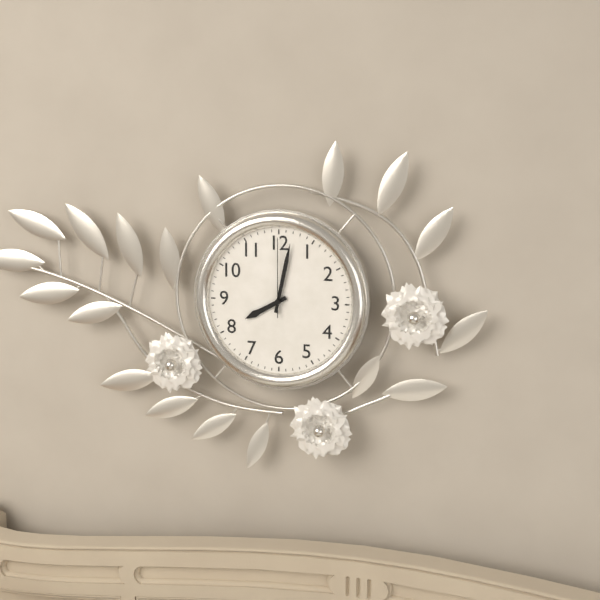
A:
8.02.00
